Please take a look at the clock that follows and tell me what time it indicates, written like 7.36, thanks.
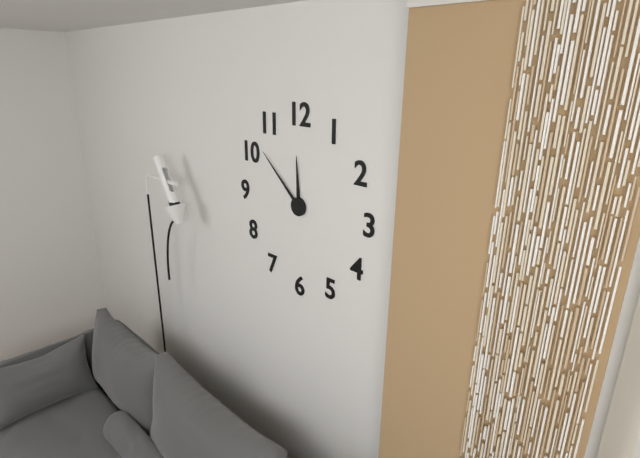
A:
11.52
